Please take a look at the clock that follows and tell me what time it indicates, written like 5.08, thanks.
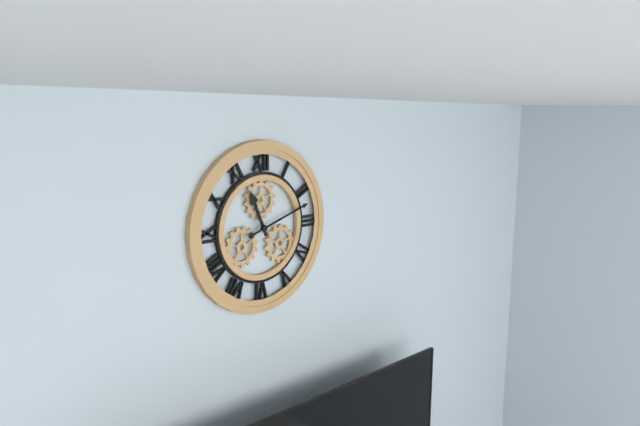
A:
11.12
